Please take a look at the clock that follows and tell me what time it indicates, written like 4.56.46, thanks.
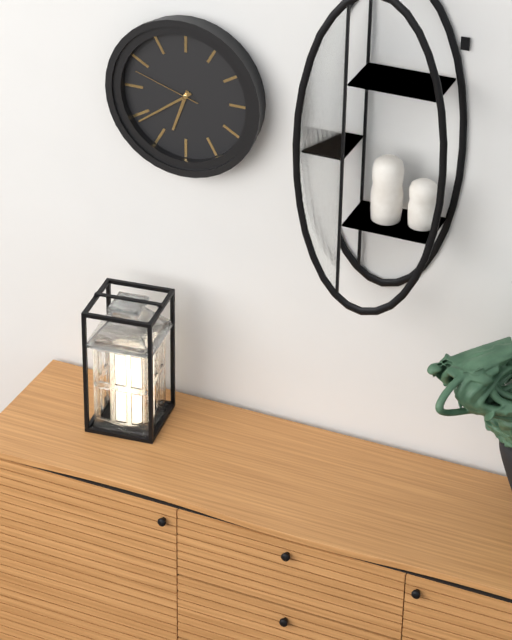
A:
6.39.48
